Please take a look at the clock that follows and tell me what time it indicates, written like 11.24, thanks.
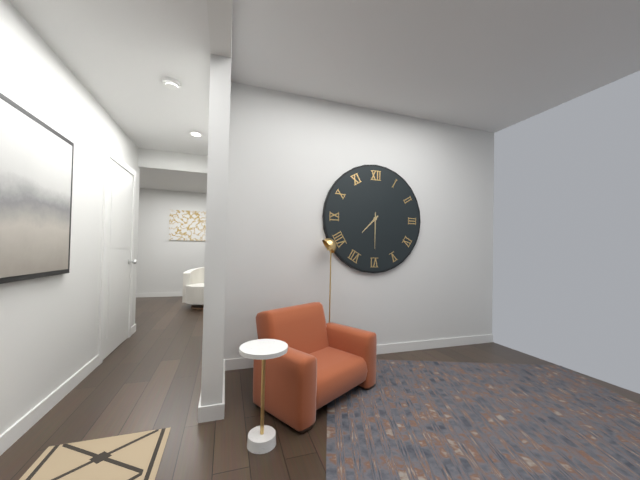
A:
7.30
